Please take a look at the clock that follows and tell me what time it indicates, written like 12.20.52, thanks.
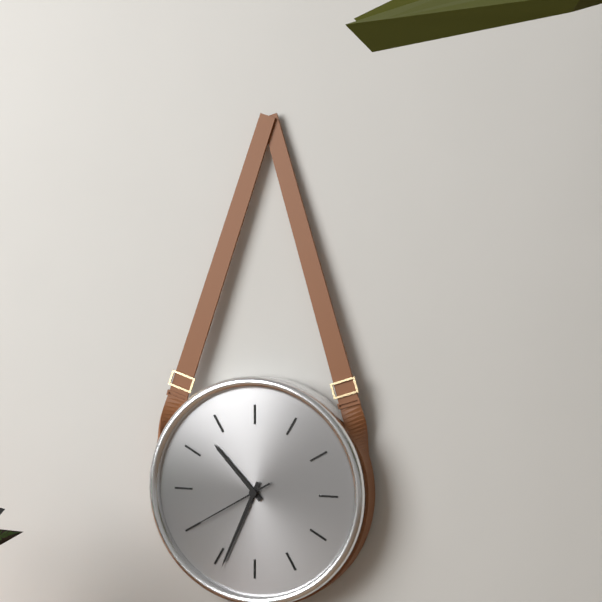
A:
10.34.40
